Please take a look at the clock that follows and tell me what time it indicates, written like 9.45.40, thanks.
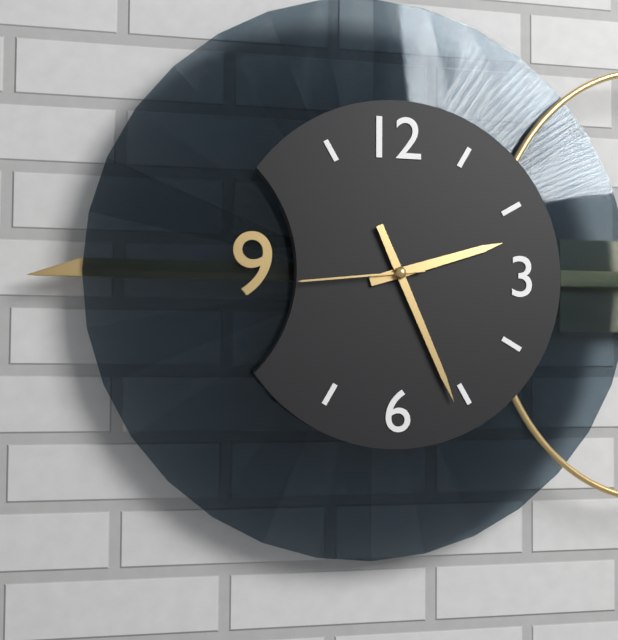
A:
2.26.44
